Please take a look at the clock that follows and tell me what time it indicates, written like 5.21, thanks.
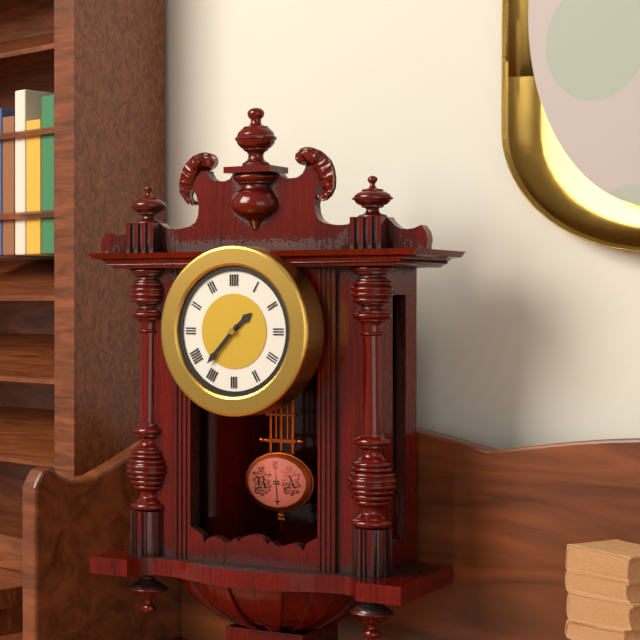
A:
1.37
